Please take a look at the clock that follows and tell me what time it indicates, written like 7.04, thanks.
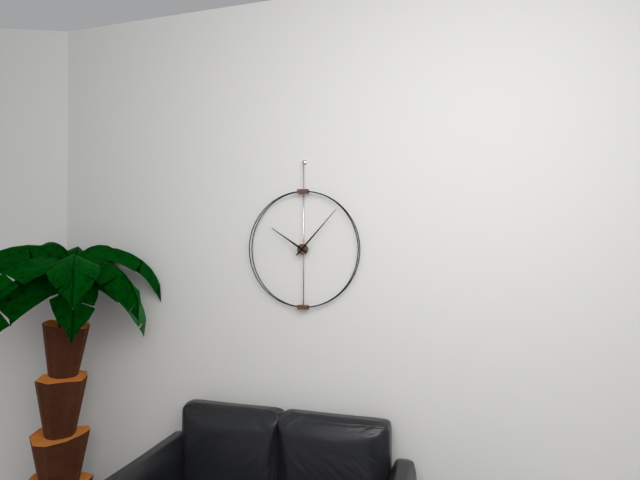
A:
10.07
